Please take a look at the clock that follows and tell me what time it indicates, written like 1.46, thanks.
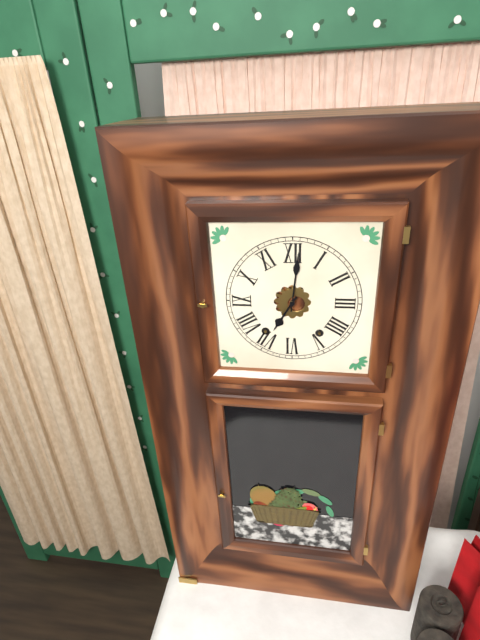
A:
7.01
